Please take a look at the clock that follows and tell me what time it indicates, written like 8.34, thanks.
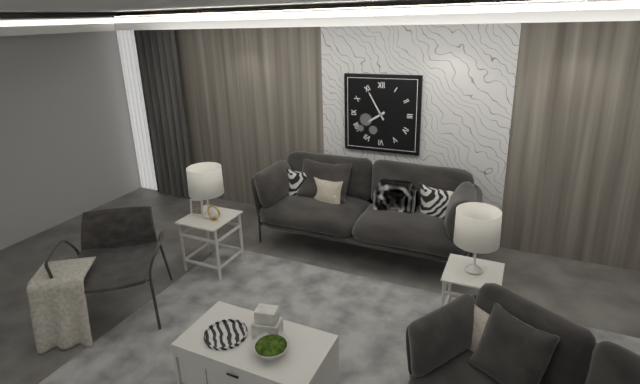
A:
7.55
